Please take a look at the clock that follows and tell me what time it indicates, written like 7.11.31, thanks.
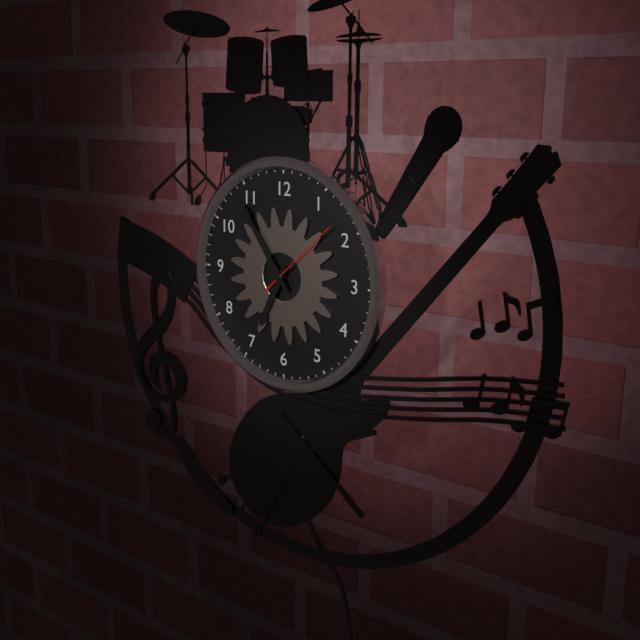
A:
6.54.08
